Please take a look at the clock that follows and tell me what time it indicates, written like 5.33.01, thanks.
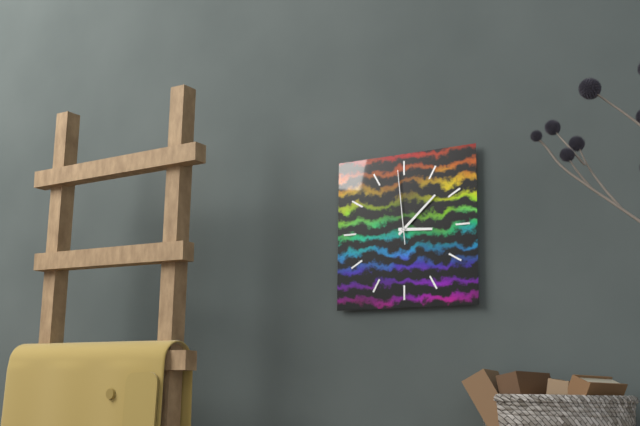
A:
3.08.59
